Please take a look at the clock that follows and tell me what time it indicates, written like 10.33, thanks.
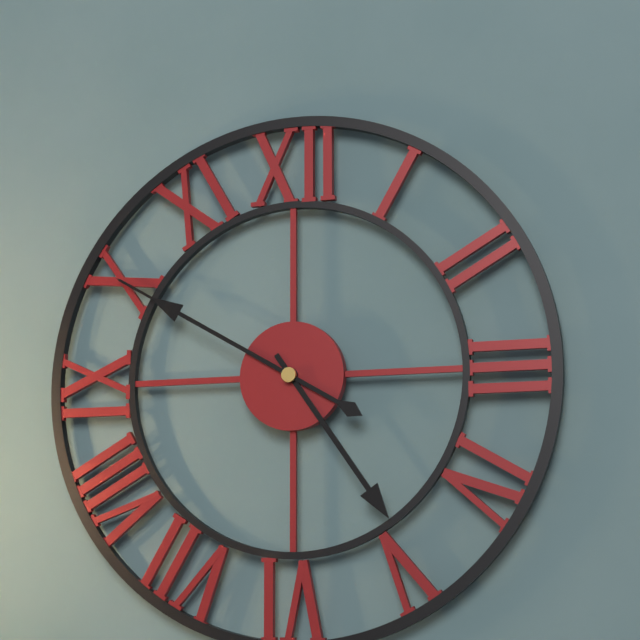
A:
4.50
